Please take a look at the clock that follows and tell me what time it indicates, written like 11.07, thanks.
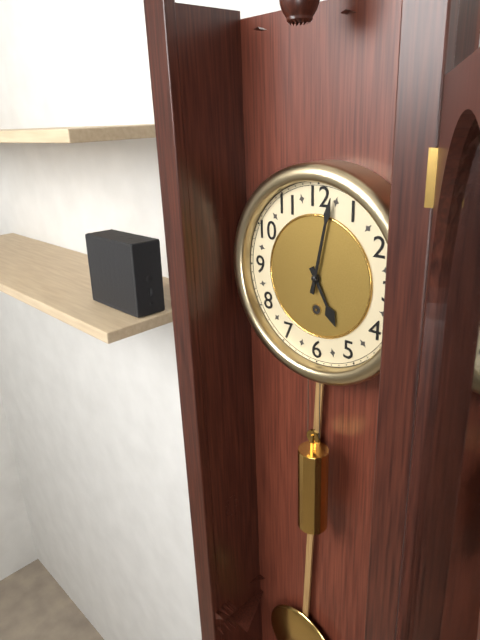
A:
5.02
